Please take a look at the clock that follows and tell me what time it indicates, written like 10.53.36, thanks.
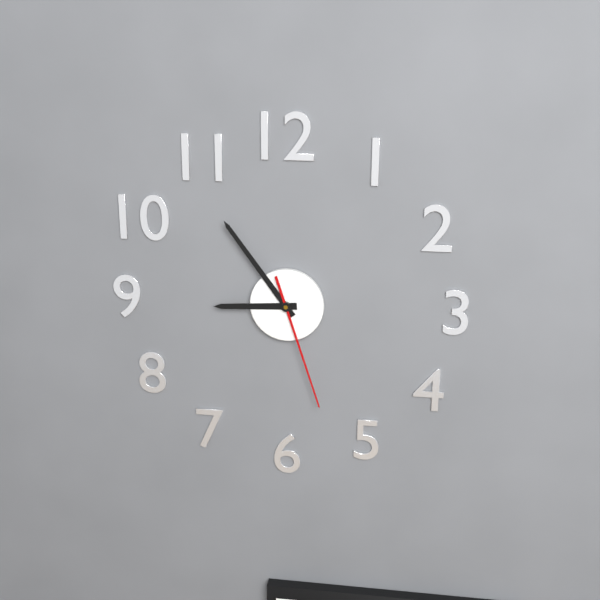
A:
8.54.27
